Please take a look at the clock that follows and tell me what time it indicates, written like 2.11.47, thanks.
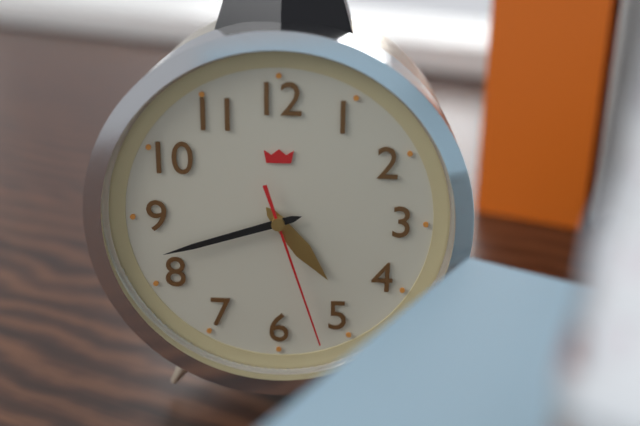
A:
4.42.27
